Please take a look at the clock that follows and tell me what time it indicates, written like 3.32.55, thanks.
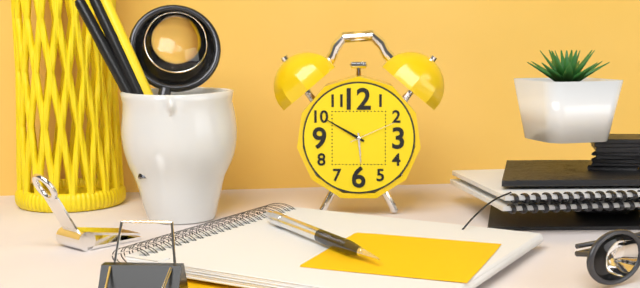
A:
5.50.11
